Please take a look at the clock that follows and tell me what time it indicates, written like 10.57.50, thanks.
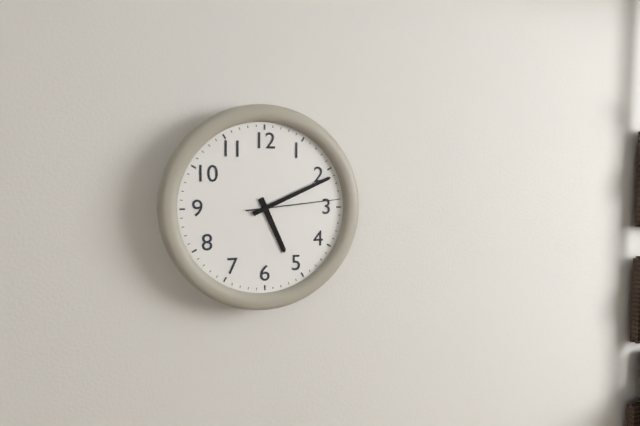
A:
5.11.14
